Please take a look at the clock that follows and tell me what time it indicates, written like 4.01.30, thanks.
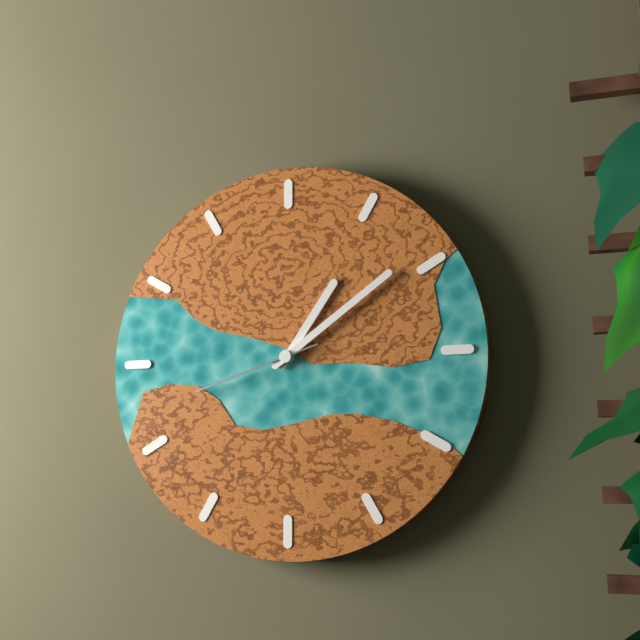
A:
1.09.42
